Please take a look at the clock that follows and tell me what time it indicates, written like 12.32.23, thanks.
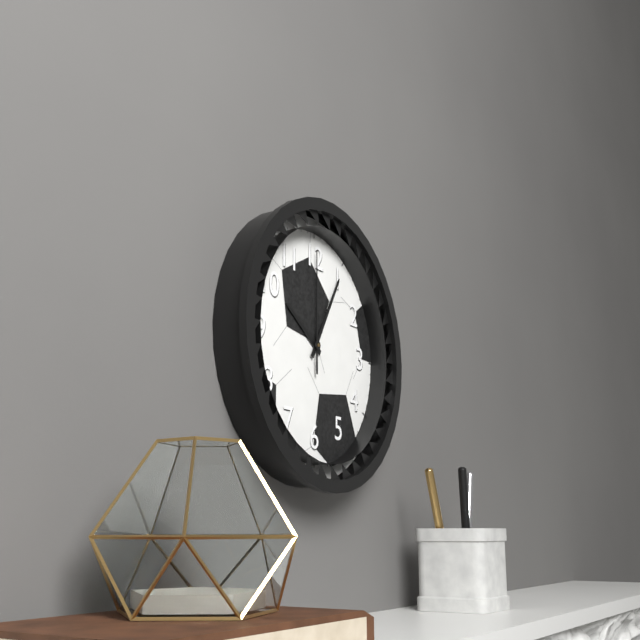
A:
10.05.00
